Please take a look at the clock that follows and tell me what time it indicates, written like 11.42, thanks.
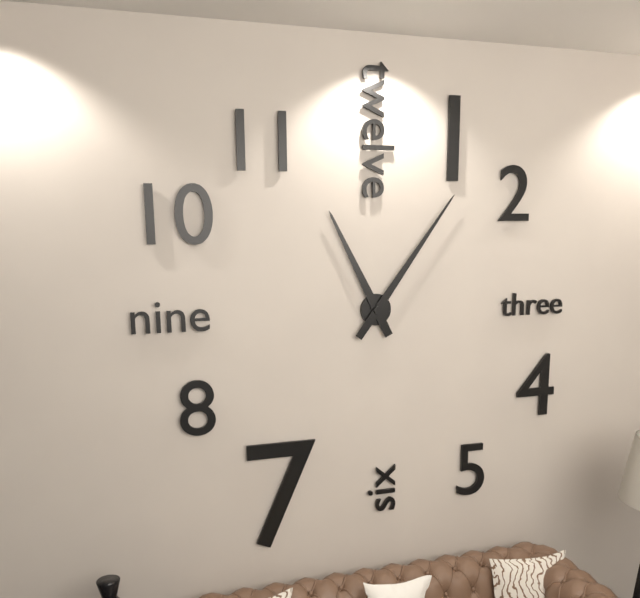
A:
11.06
